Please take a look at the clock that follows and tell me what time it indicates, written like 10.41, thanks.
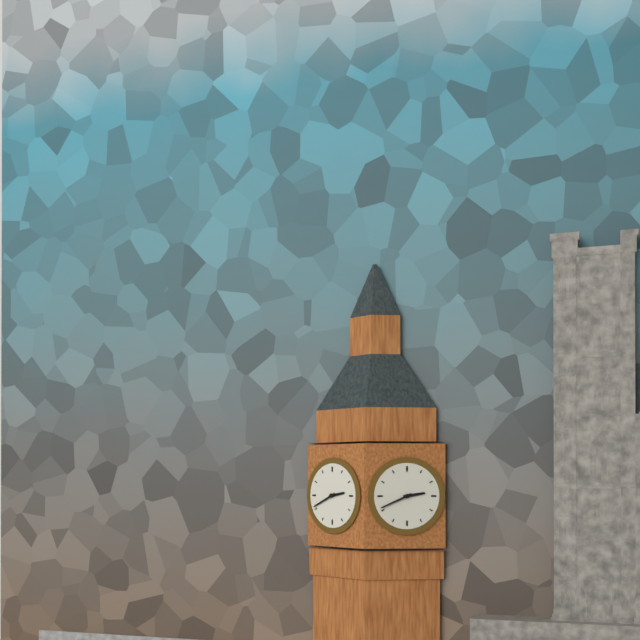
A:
2.41
